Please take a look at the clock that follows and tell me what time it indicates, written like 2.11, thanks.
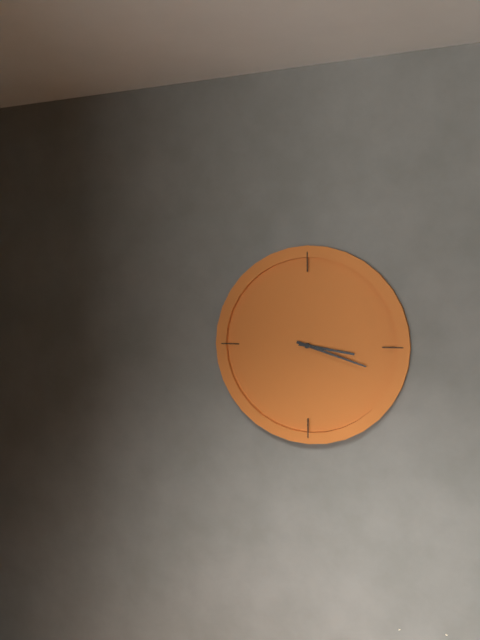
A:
3.18
